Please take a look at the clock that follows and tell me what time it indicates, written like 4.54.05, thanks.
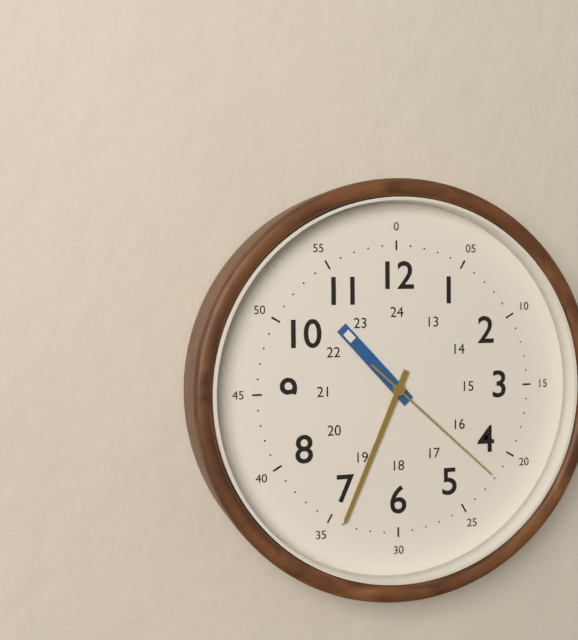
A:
10.34.22
